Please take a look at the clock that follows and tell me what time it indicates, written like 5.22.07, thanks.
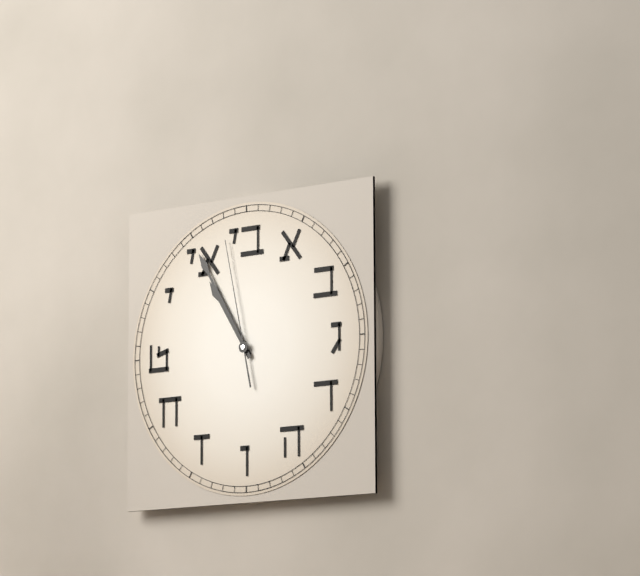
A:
10.55.58
